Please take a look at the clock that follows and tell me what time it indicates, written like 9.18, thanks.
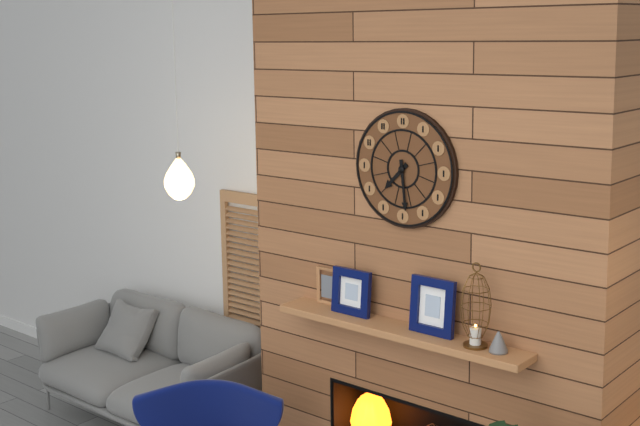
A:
7.29
